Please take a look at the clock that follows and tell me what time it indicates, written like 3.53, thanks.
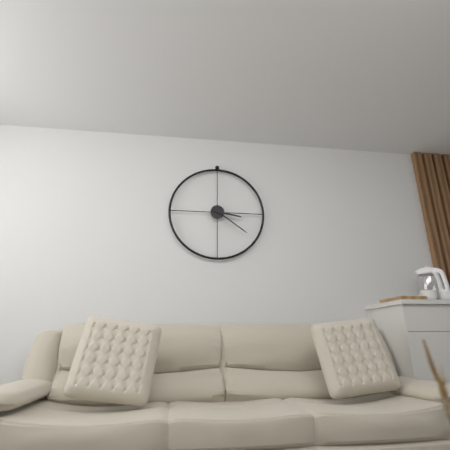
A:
3.21
